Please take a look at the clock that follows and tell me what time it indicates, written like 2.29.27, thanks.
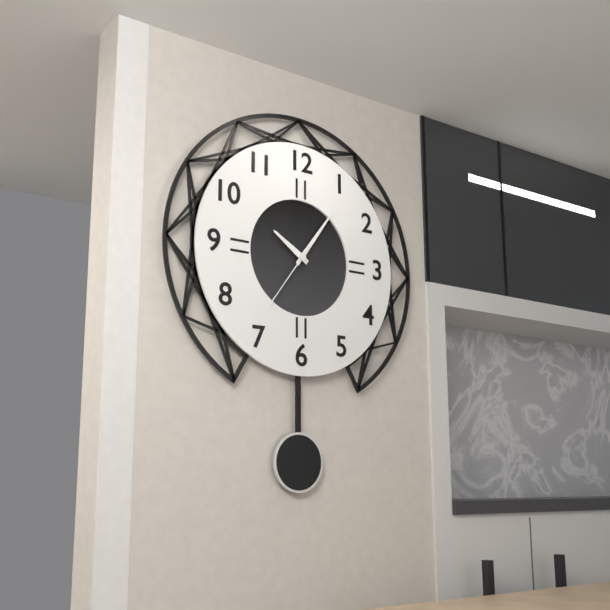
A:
10.06.36
